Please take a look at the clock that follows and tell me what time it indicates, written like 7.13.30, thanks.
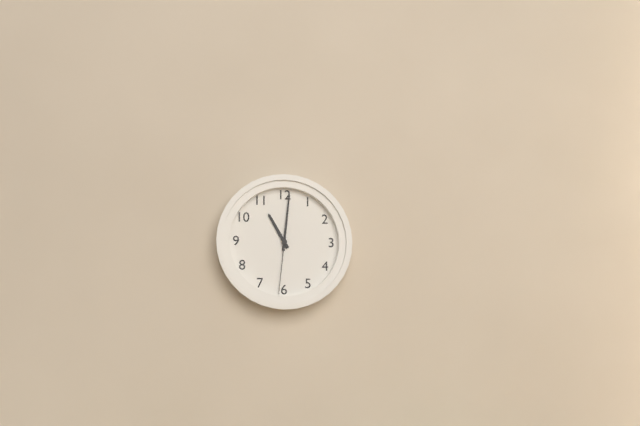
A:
11.01.31
